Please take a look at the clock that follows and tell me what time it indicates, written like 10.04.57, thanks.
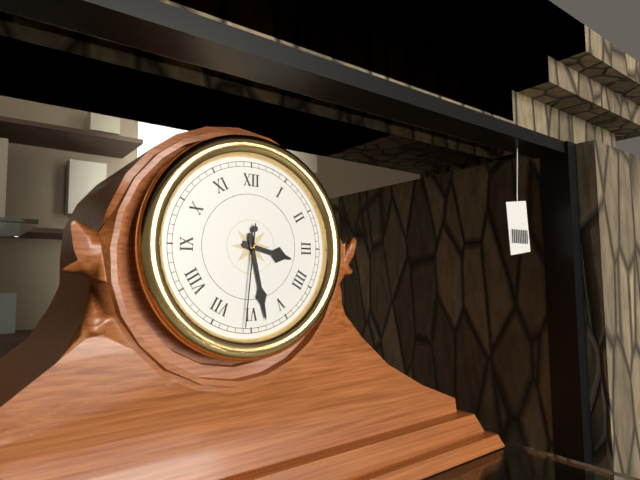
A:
3.28.31
